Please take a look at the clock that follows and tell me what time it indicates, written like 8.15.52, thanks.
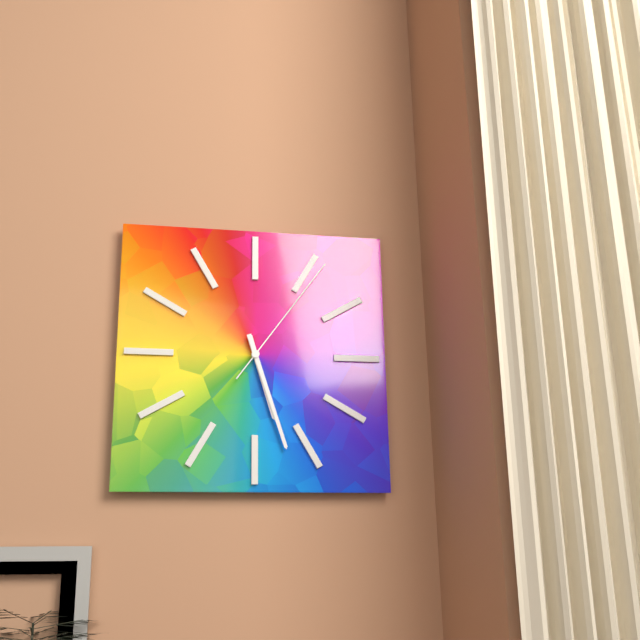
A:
5.27.06
